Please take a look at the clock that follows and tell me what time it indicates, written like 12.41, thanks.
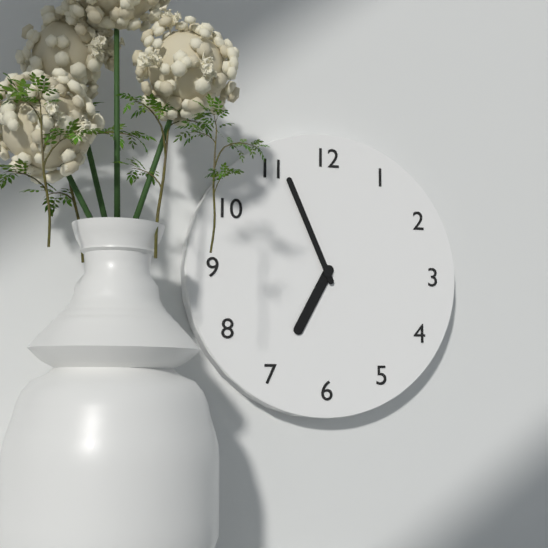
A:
6.56
